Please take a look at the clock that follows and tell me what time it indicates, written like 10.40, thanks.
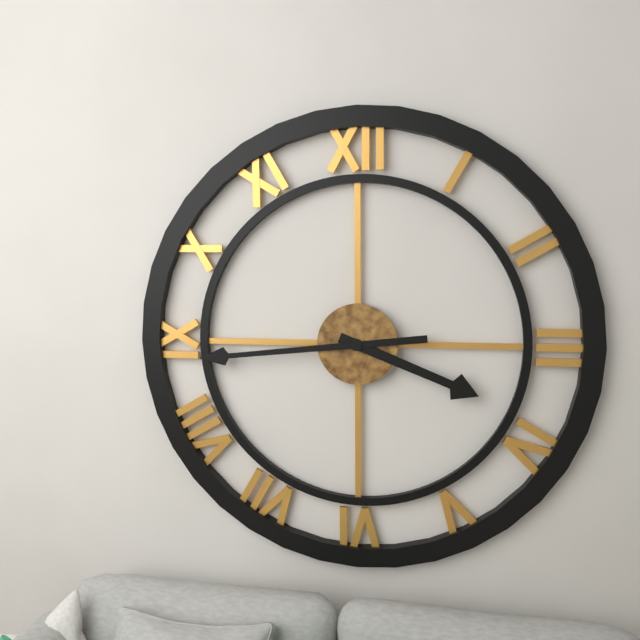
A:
3.44
